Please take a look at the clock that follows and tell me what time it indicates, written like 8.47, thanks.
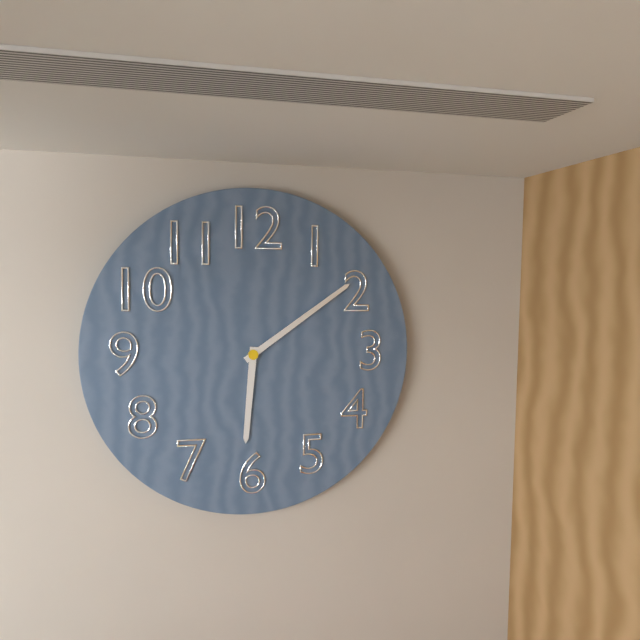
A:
6.09
